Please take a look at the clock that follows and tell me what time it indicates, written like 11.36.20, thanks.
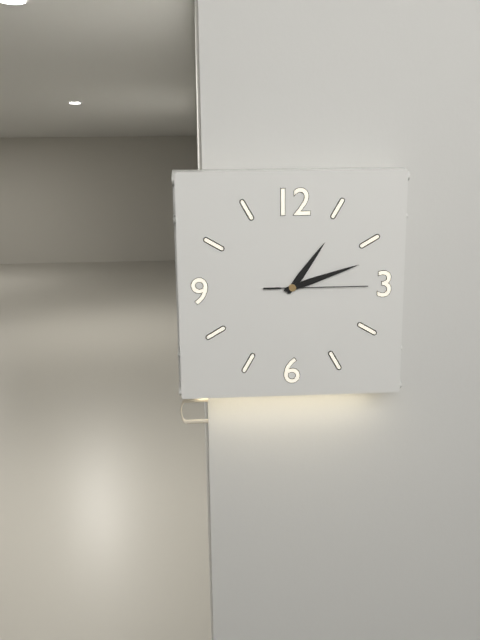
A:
1.12.15
